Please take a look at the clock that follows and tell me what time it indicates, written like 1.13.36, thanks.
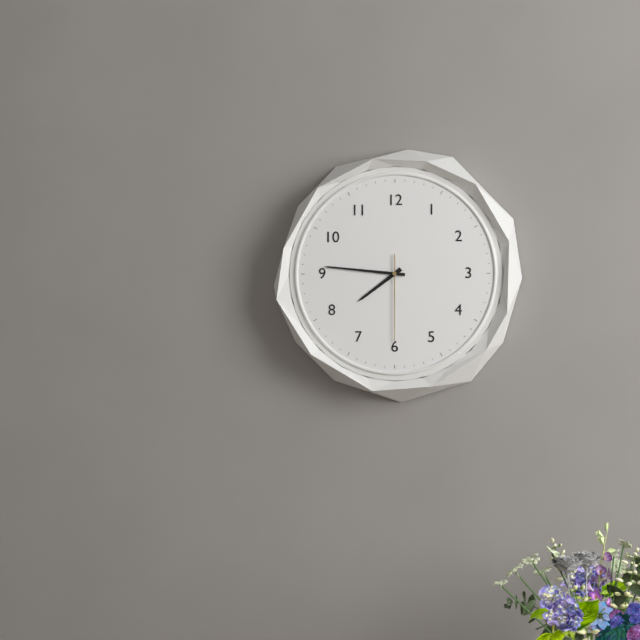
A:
7.46.30
